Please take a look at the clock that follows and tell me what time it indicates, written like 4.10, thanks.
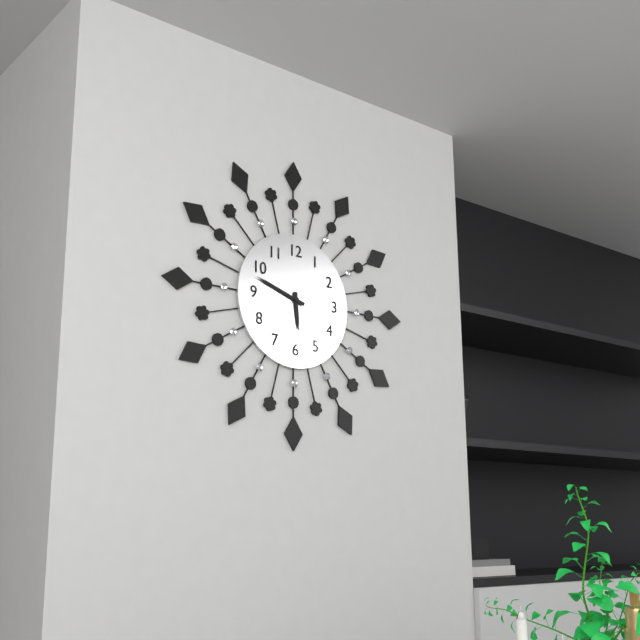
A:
5.48
